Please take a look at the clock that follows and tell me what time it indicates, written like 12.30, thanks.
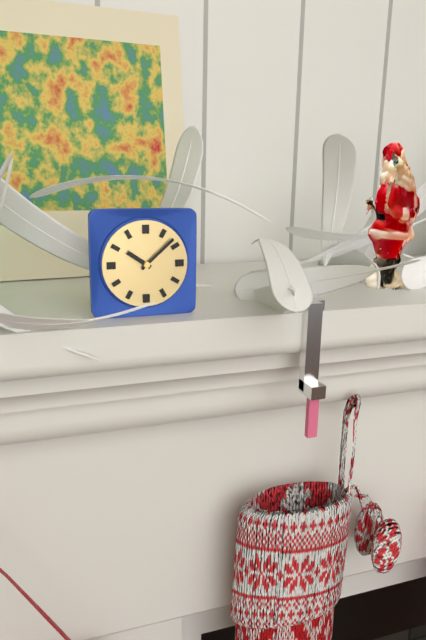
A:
10.08
